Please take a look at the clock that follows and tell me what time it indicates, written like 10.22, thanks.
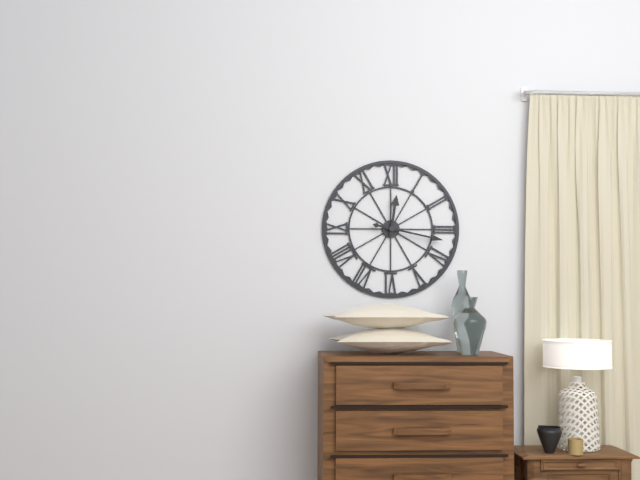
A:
12.17
